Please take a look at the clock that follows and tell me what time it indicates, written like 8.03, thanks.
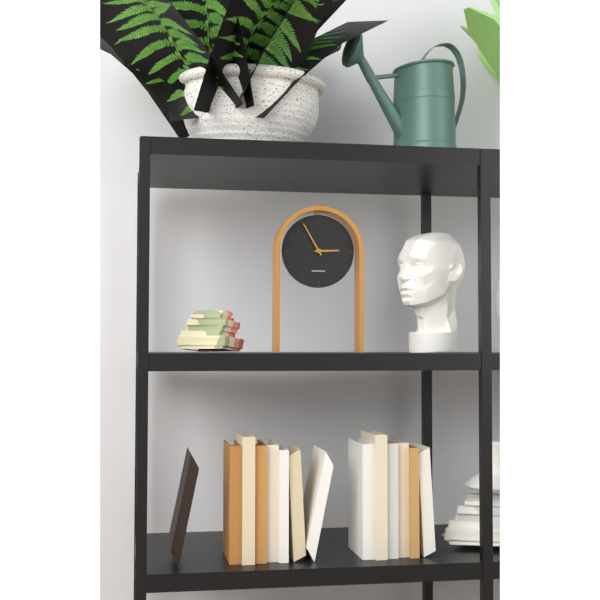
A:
2.55
